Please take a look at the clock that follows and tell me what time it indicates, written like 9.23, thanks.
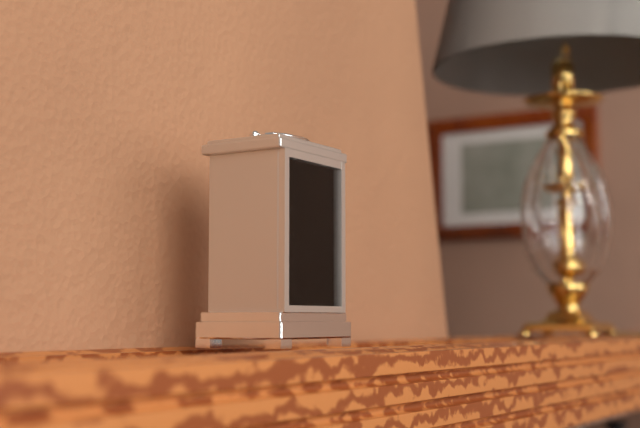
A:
1.27
